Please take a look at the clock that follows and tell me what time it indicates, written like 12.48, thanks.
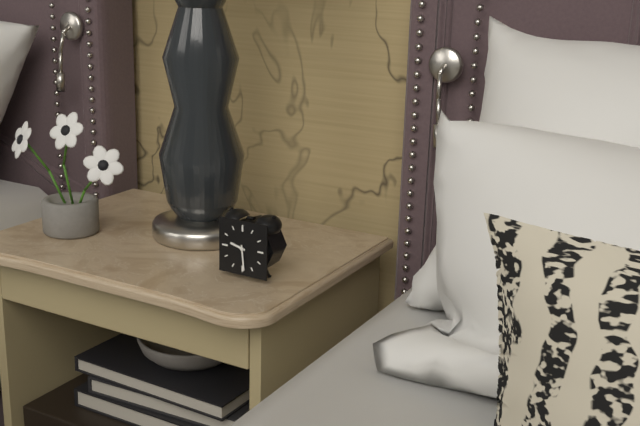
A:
9.29
